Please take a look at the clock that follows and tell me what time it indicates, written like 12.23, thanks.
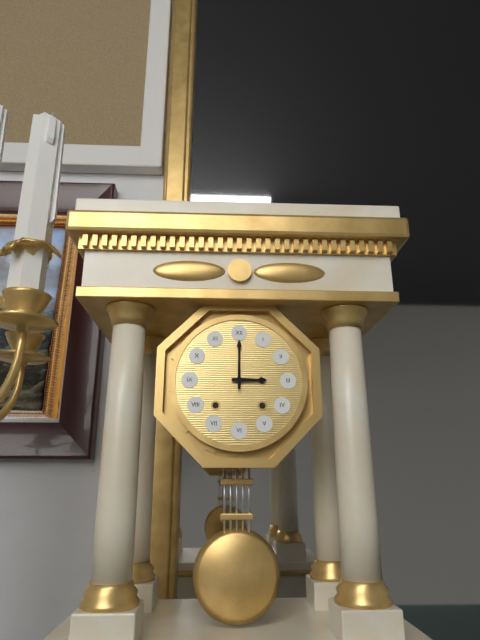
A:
3.00
